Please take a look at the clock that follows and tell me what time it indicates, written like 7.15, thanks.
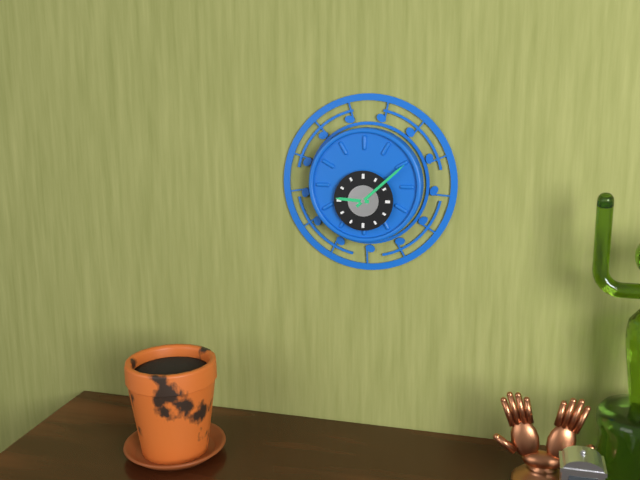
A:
9.08
